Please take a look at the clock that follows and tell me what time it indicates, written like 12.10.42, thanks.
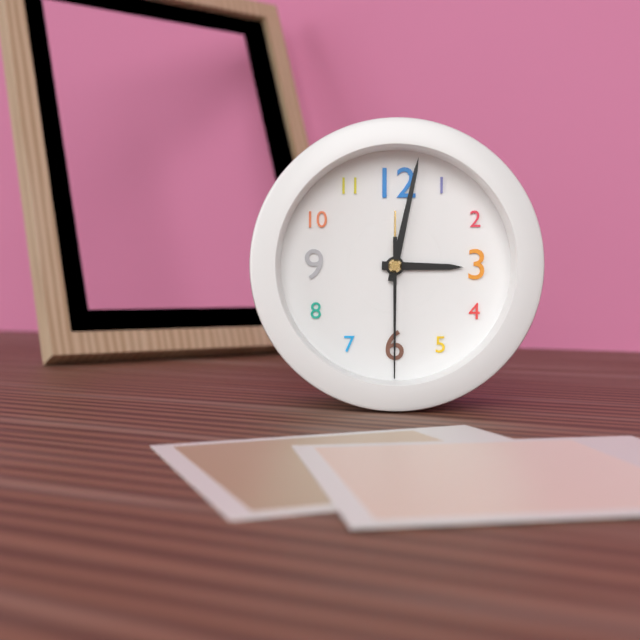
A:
3.02.30
